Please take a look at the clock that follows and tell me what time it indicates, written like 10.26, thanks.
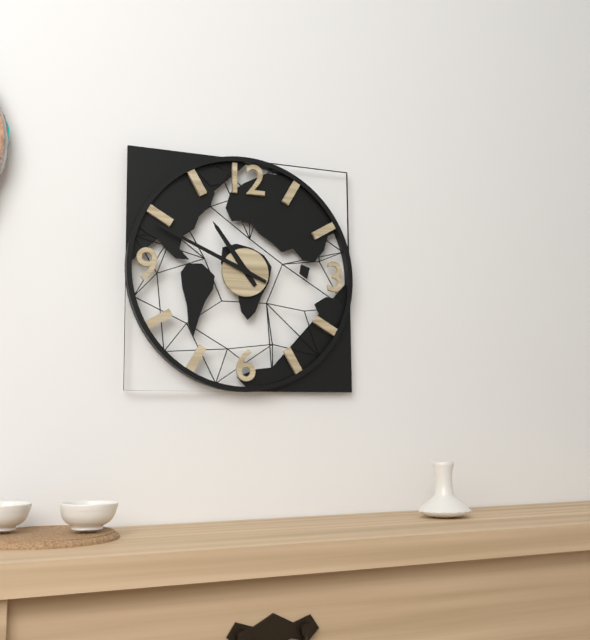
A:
10.49
